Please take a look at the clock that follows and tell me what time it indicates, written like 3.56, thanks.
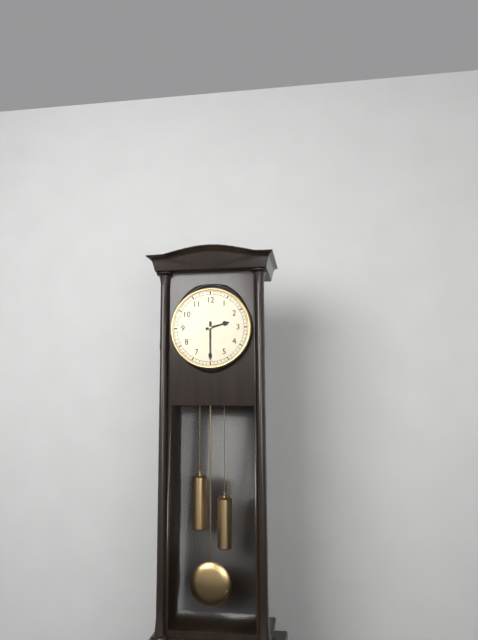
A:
2.30
